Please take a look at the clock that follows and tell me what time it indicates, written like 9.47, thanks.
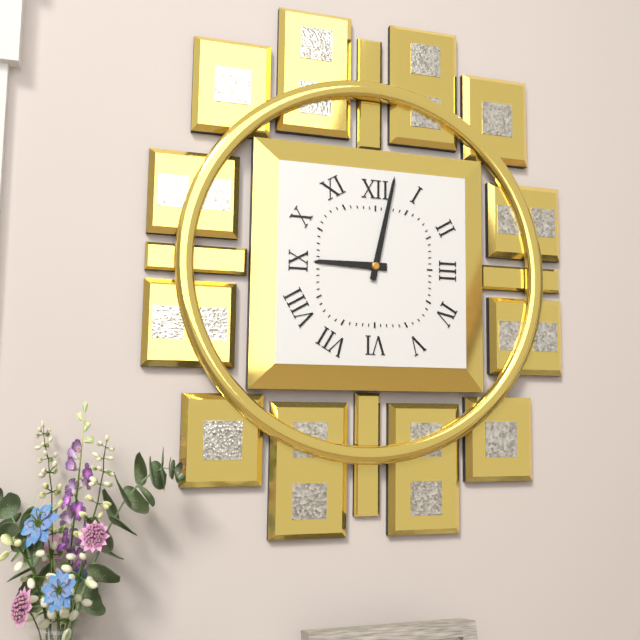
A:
9.02
